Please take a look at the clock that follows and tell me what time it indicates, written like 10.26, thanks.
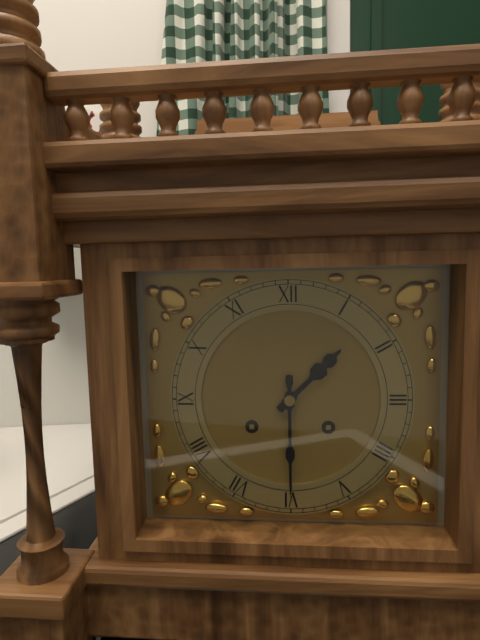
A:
1.30
